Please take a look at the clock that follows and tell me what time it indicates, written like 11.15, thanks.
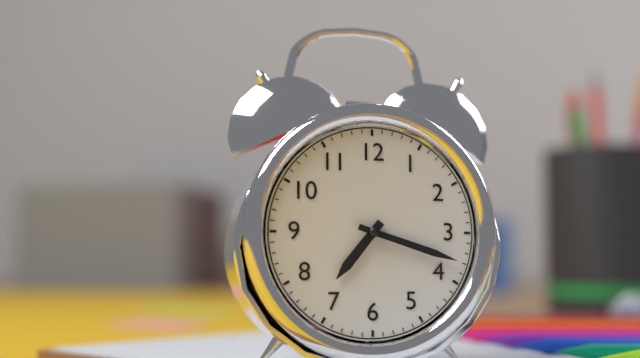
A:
7.18
